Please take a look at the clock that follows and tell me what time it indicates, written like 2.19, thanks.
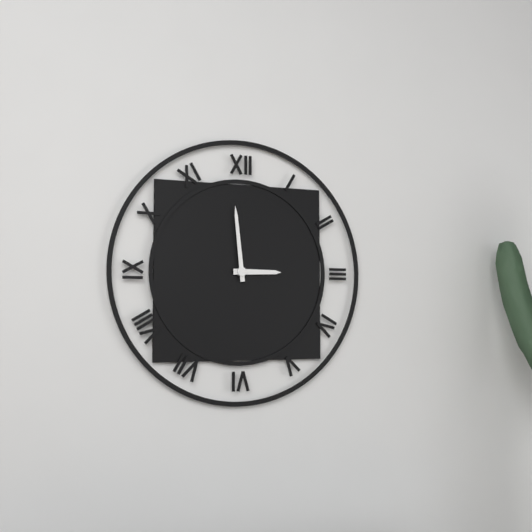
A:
2.59
